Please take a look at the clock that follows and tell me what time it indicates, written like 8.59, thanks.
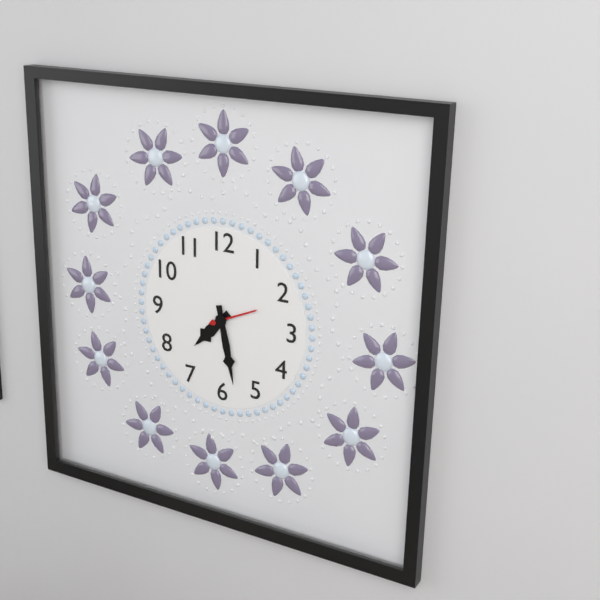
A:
7.28
